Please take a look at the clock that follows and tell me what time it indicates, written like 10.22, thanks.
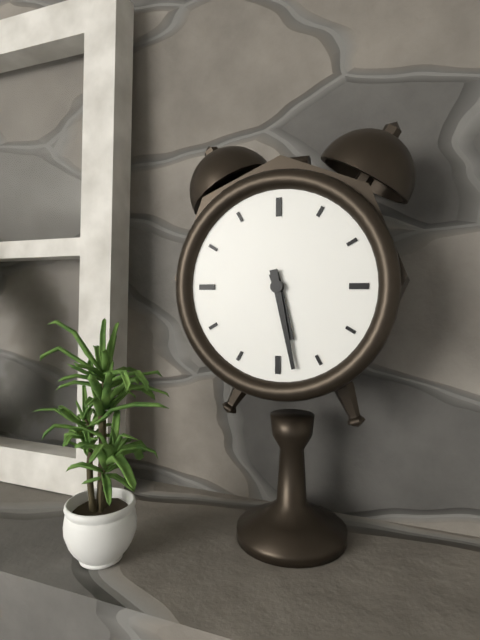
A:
5.28
